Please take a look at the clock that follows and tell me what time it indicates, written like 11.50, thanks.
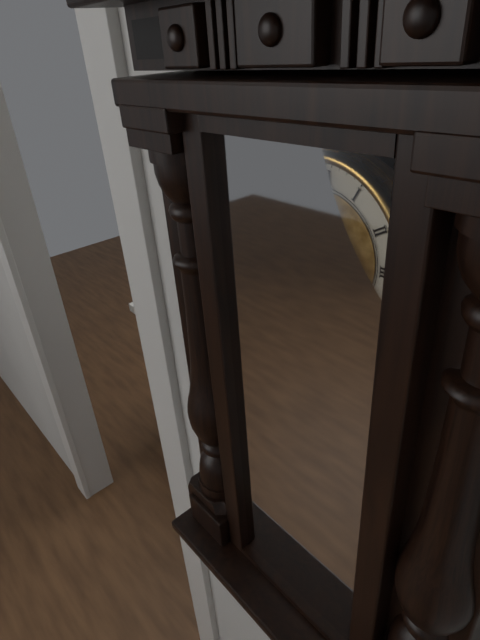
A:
12.56
